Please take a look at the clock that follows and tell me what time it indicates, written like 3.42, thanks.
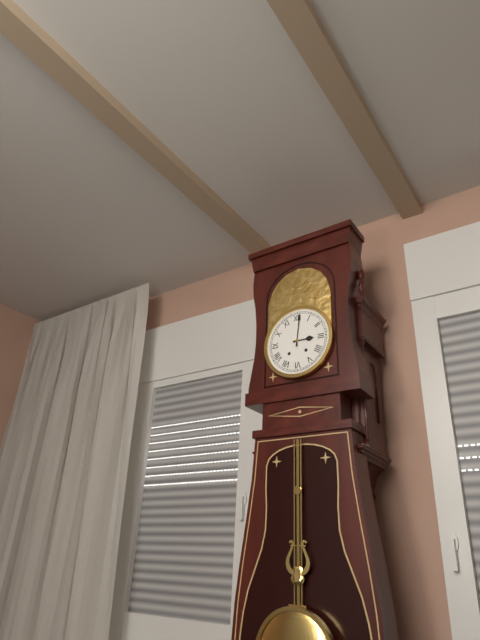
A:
3.01
